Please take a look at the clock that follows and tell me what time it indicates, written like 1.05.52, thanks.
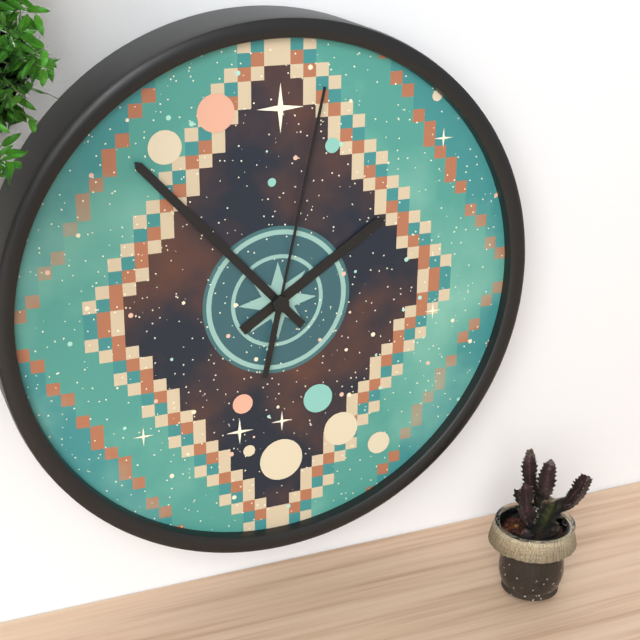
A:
1.53.02
